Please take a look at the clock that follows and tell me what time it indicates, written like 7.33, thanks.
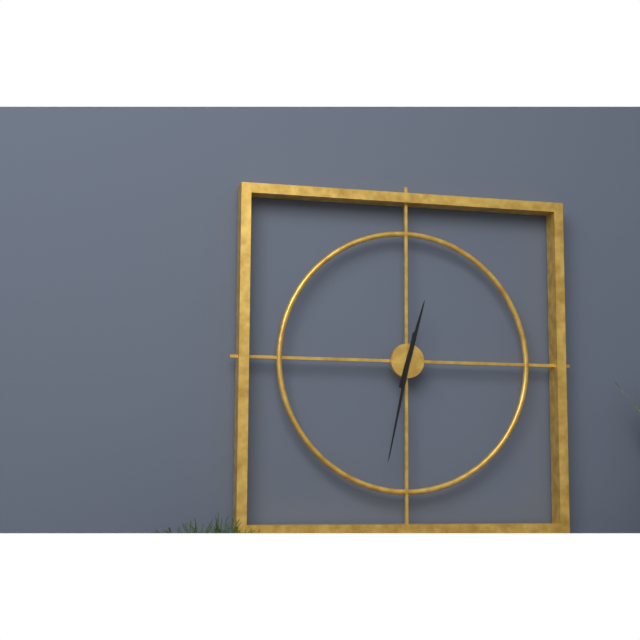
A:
12.32
